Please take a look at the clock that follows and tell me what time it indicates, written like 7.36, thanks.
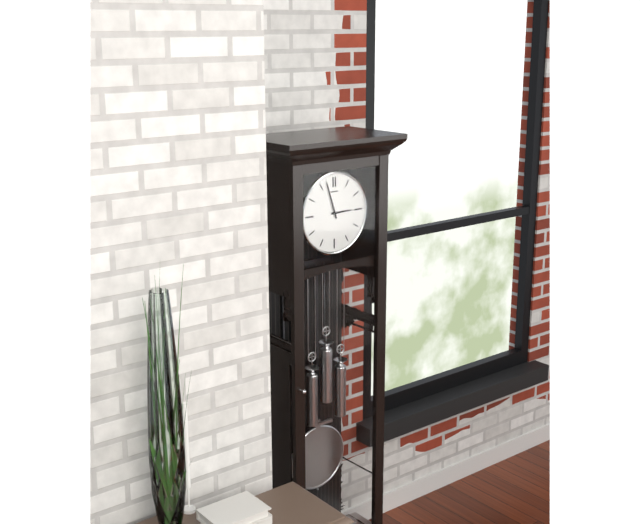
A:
2.57
